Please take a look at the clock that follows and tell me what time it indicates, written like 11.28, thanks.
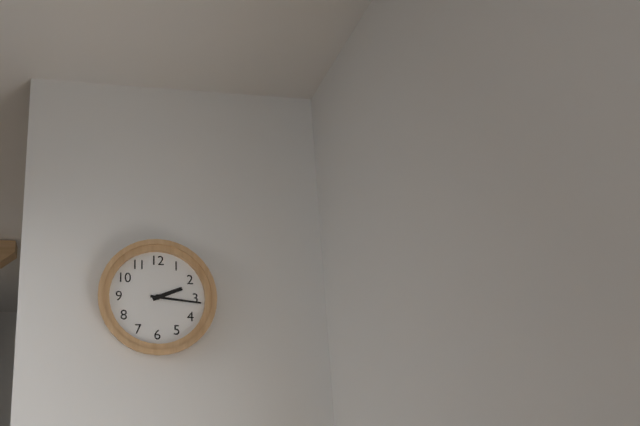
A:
2.16
